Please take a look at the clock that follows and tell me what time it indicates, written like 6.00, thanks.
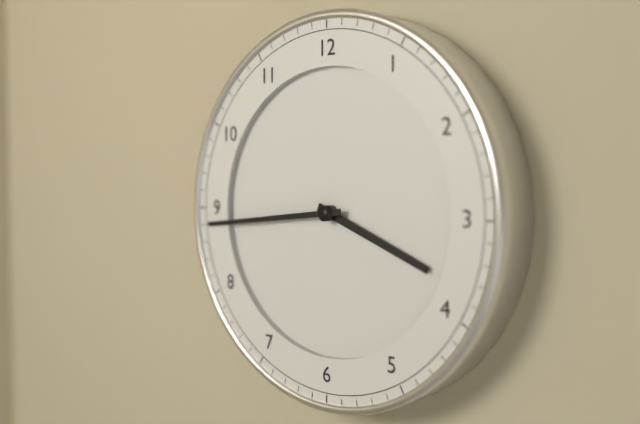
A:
3.44
